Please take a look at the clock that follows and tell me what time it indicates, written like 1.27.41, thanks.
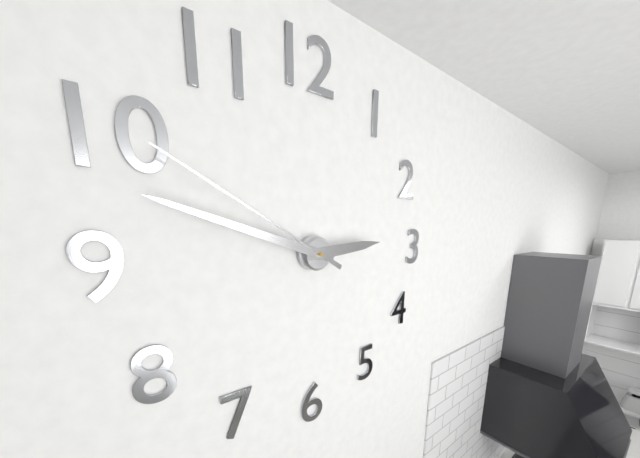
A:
2.48.50
